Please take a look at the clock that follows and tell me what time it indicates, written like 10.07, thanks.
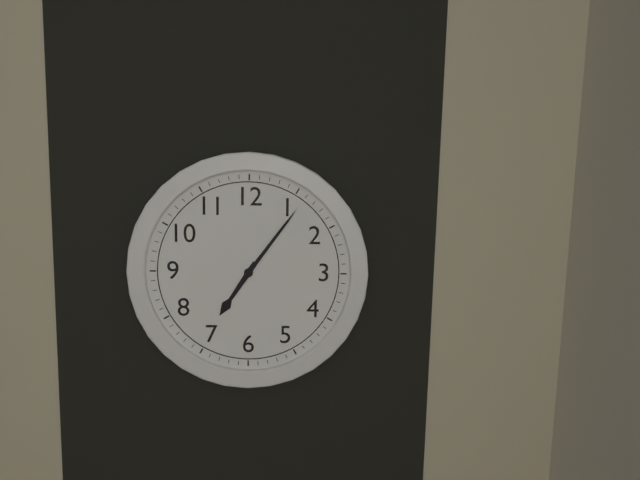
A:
7.06
